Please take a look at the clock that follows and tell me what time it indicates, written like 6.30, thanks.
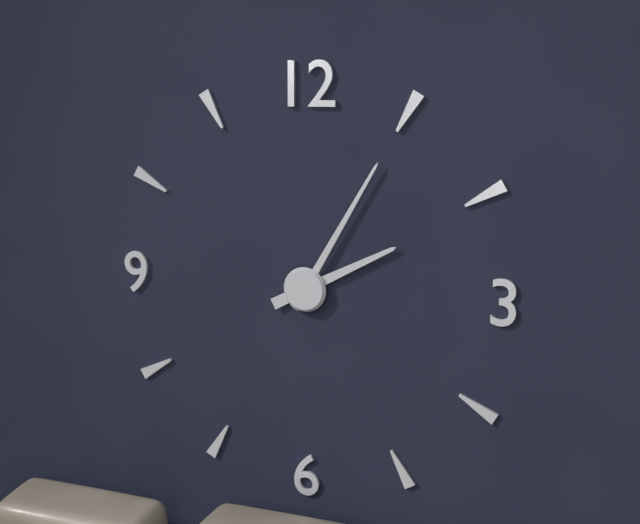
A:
2.05
